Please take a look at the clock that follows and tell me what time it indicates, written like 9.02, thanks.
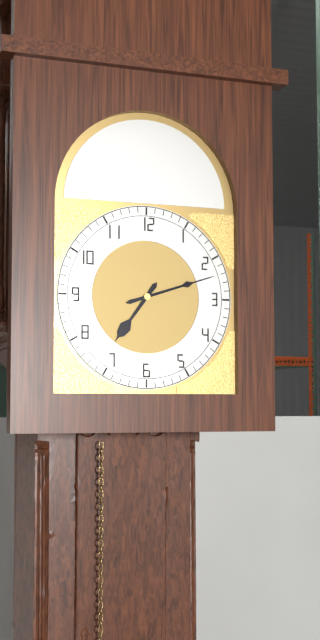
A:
7.12
